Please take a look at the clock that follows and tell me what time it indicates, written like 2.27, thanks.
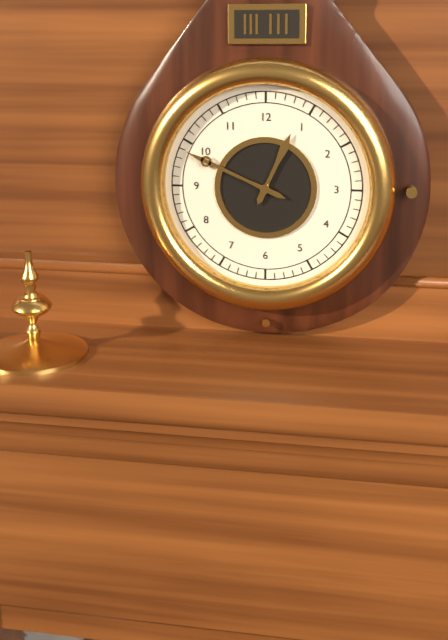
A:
12.49
